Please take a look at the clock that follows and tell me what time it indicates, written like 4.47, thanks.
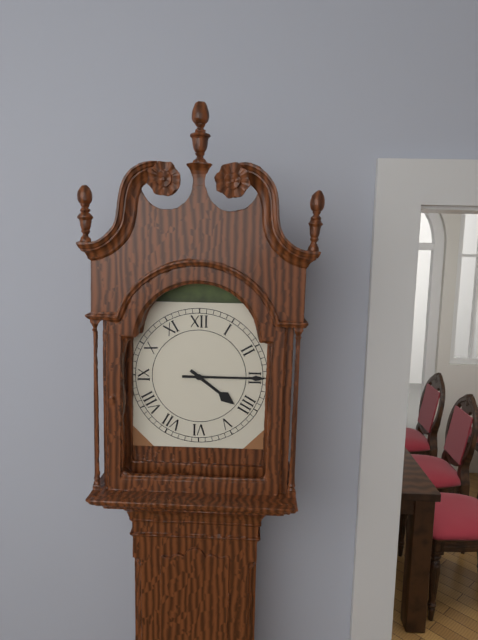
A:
4.15
